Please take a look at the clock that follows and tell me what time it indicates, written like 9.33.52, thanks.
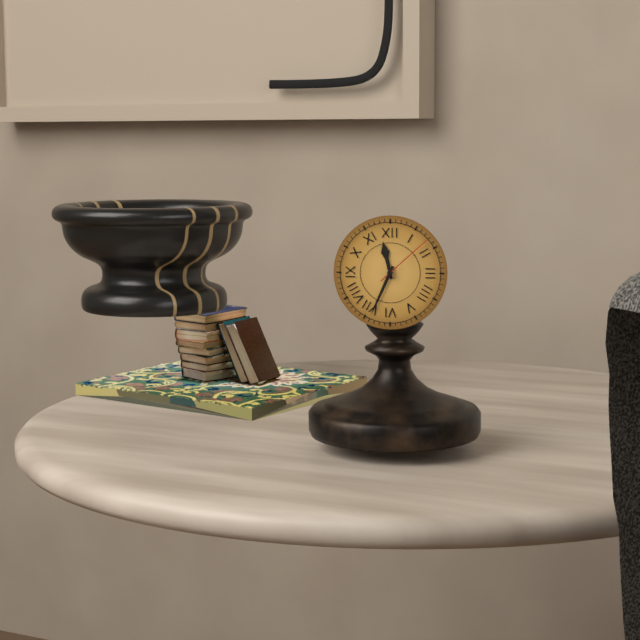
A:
11.34.08
